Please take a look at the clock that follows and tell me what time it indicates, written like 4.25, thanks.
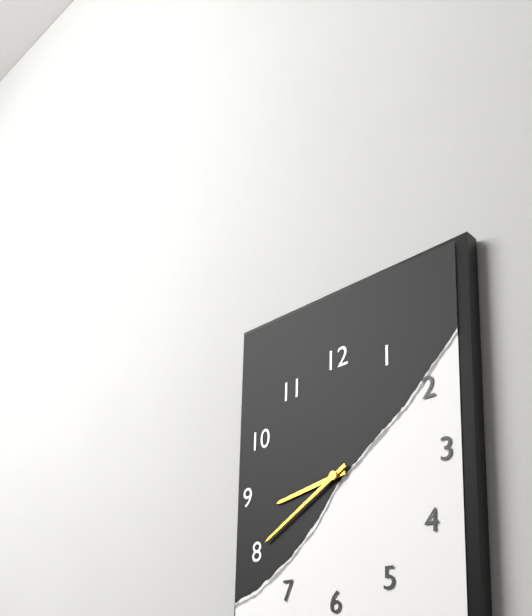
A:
8.40
